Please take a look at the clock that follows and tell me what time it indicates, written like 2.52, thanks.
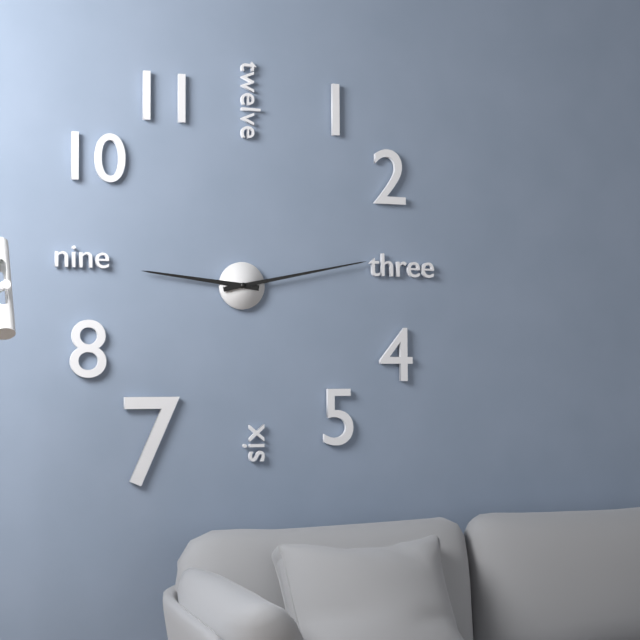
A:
9.13
